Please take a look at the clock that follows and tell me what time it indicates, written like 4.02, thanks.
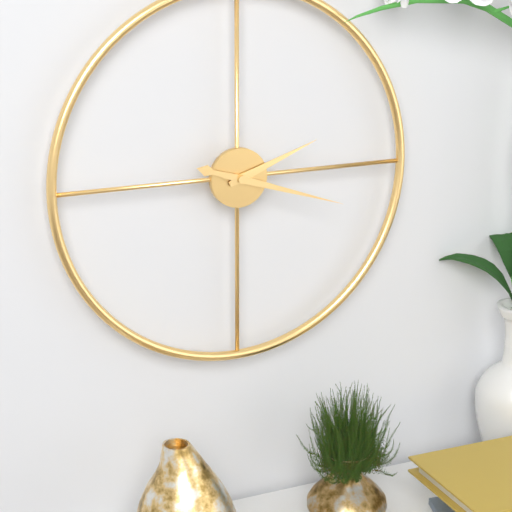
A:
2.18
